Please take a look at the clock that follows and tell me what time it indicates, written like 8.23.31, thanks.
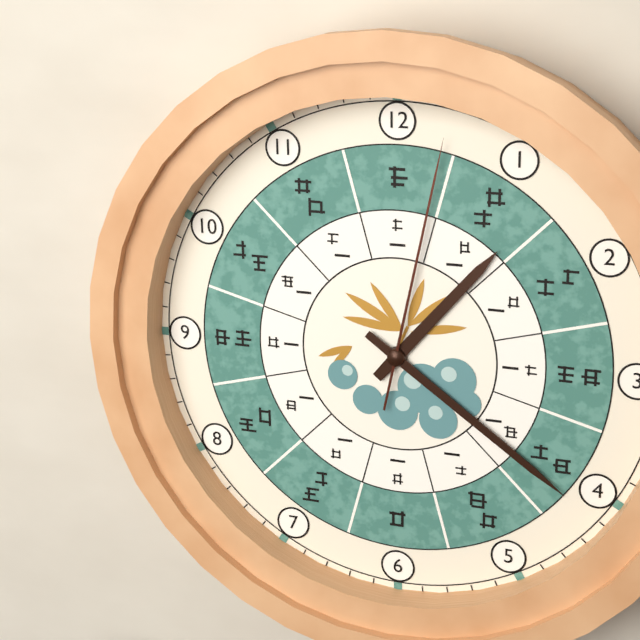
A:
1.21.02
